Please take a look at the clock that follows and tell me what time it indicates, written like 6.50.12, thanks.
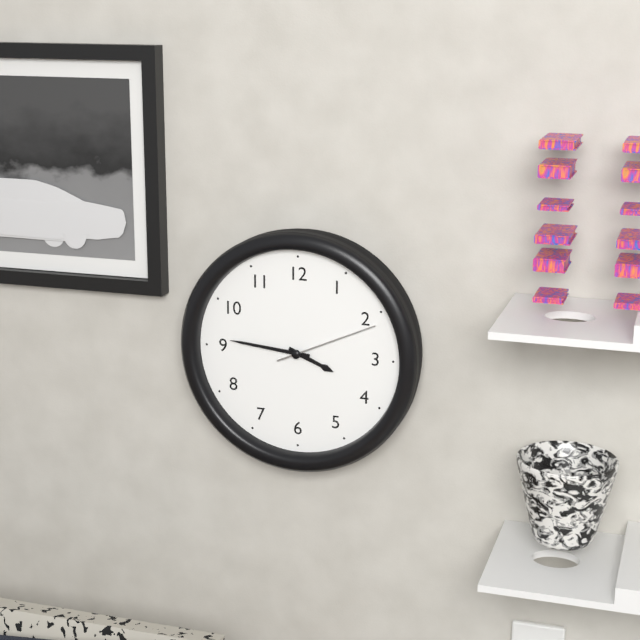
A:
3.46.11
